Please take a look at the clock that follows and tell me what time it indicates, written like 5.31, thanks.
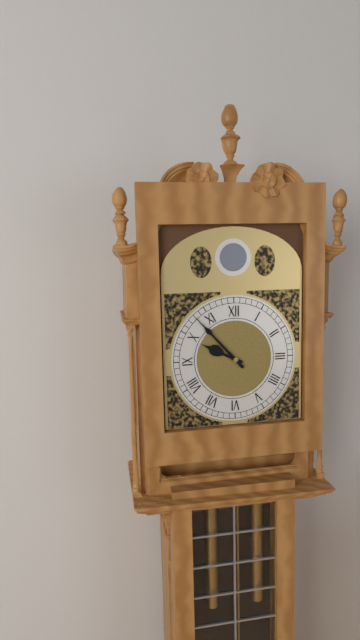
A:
9.53
